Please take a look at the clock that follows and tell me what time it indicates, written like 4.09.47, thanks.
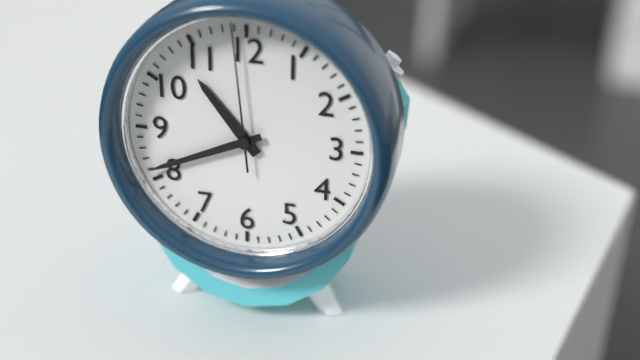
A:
10.41.59
